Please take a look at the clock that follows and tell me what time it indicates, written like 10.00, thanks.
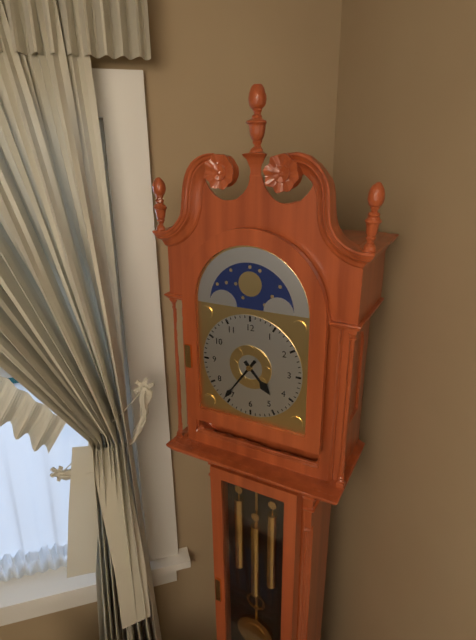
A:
4.36
